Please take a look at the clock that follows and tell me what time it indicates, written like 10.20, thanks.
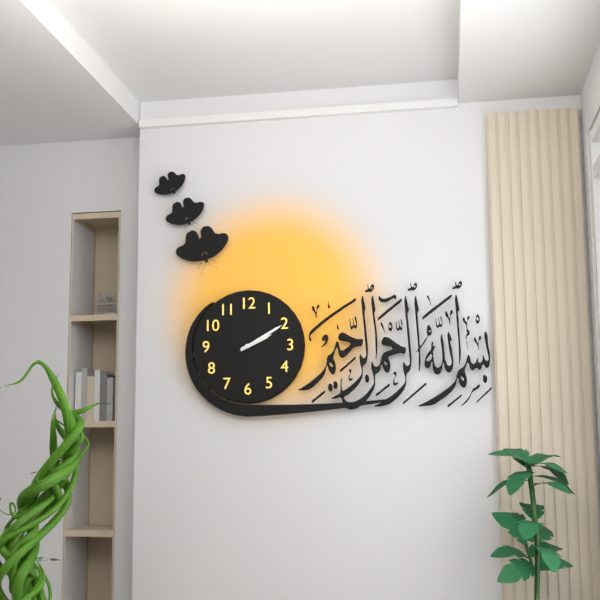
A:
2.10
